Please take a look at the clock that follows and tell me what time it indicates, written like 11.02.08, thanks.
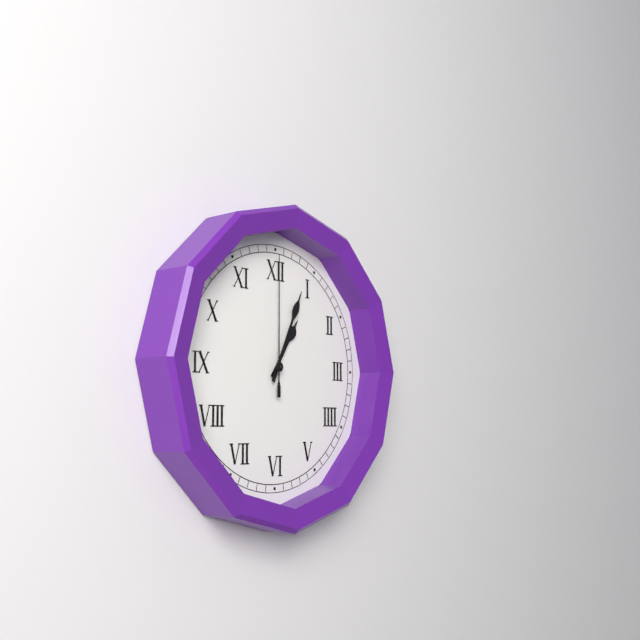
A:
1.04.00
